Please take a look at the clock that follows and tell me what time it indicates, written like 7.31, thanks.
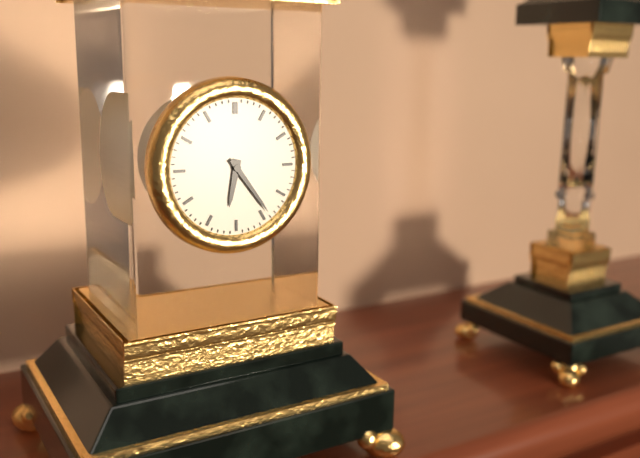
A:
6.24
